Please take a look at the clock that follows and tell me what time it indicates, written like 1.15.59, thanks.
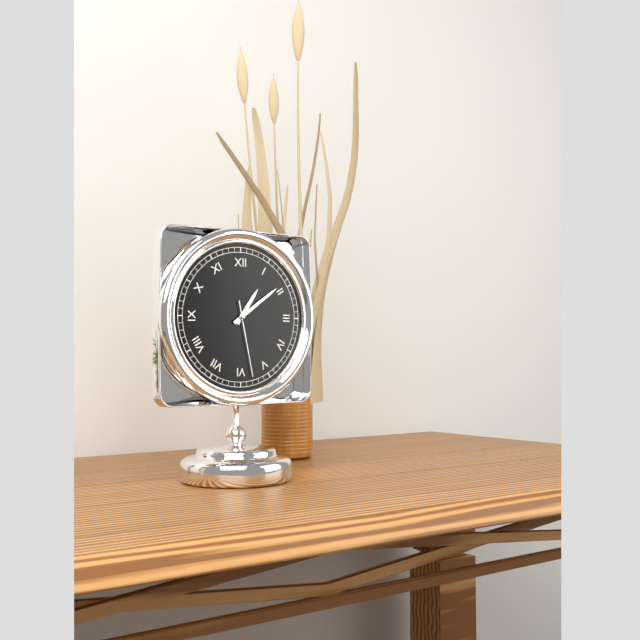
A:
1.09.28
